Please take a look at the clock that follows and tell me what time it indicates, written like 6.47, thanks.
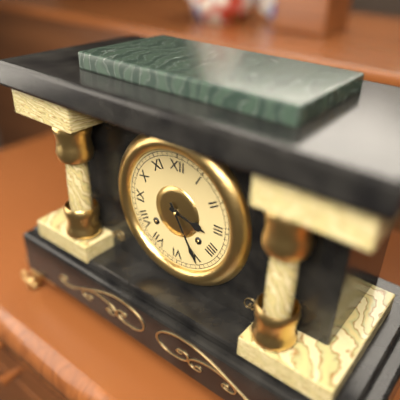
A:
3.25
